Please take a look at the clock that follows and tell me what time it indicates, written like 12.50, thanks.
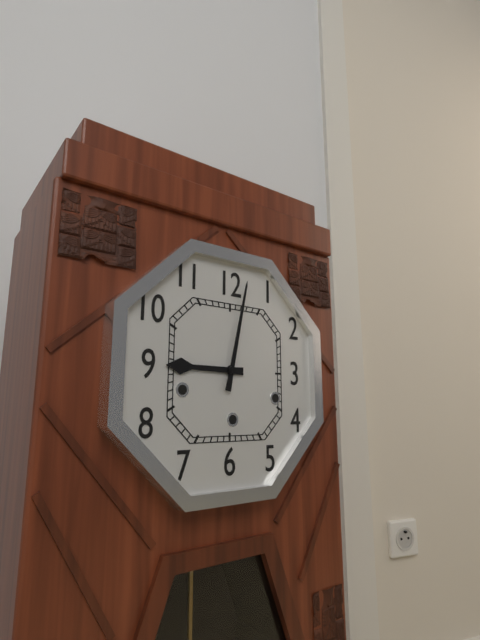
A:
9.02
